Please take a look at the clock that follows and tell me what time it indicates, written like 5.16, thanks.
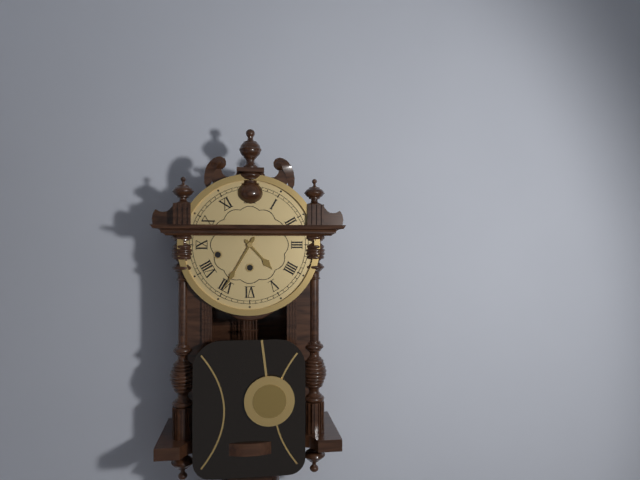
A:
4.35
